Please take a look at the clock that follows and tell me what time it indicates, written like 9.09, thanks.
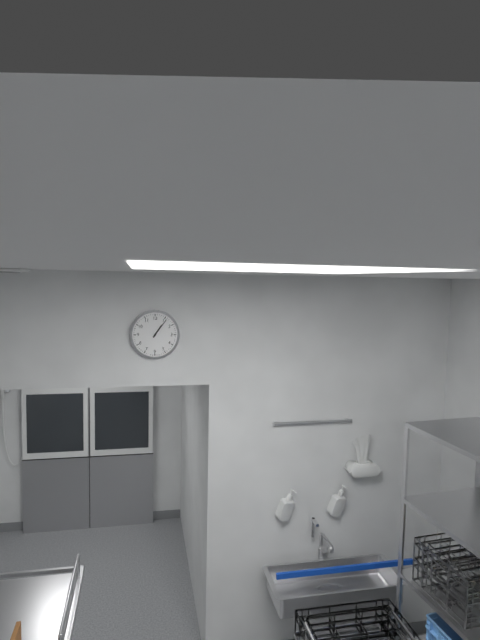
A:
1.06
